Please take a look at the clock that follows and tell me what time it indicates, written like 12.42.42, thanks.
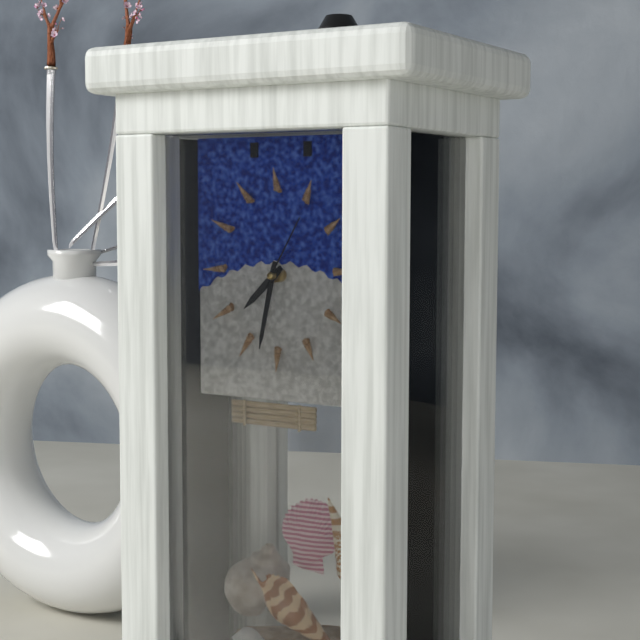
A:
7.32.05
